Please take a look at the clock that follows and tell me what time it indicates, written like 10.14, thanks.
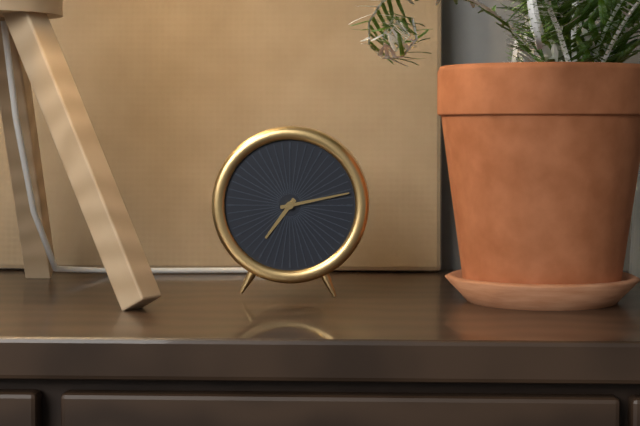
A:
7.13
